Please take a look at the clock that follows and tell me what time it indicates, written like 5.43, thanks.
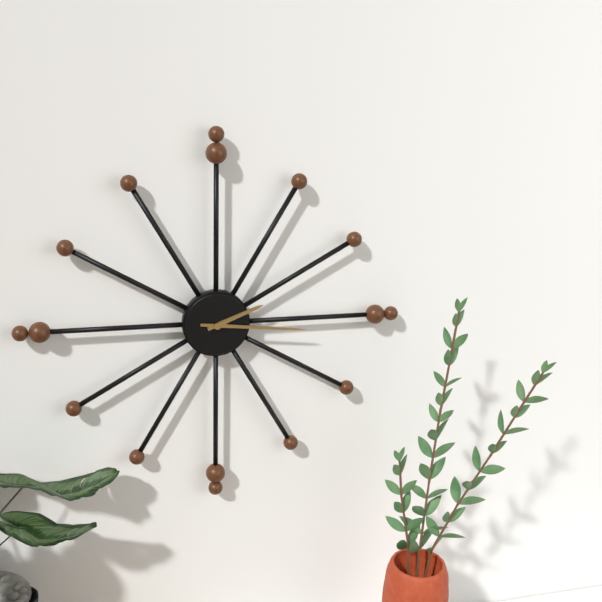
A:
2.16
